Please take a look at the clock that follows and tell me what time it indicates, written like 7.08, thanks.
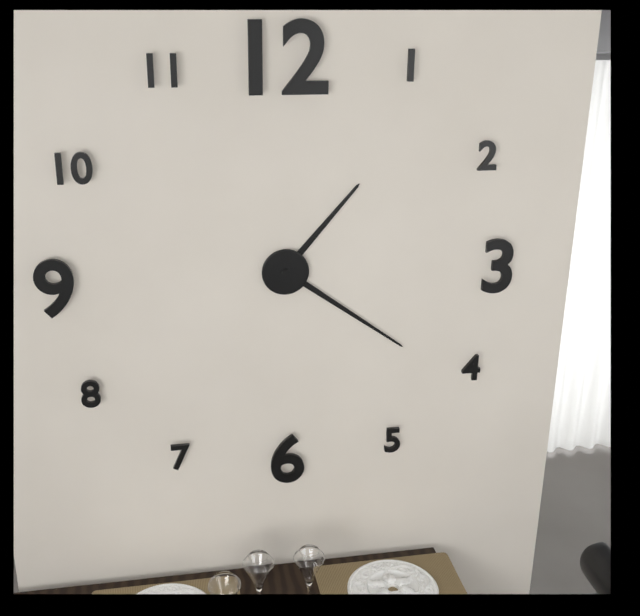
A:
1.21
